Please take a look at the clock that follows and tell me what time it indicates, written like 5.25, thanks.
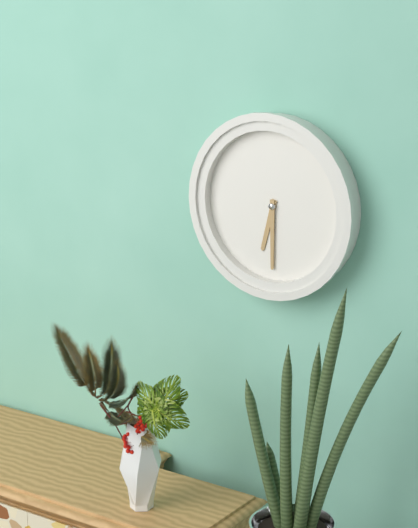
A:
6.30
